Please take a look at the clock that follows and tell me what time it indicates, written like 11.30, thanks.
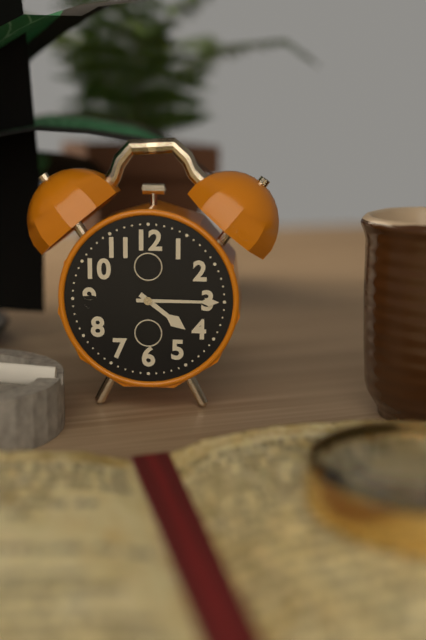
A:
4.15
